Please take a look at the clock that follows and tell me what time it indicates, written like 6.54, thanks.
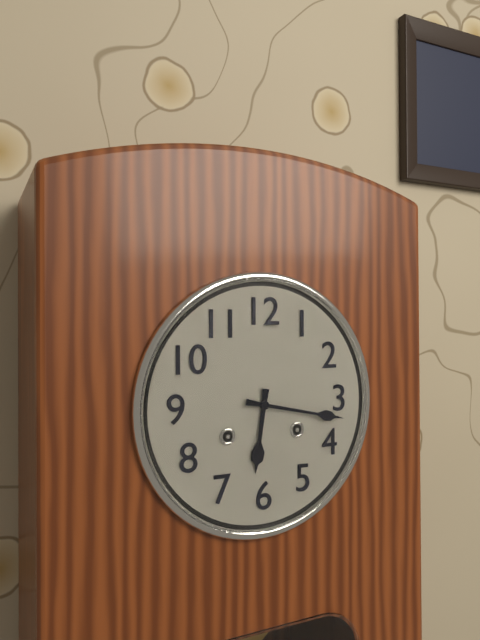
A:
6.17
